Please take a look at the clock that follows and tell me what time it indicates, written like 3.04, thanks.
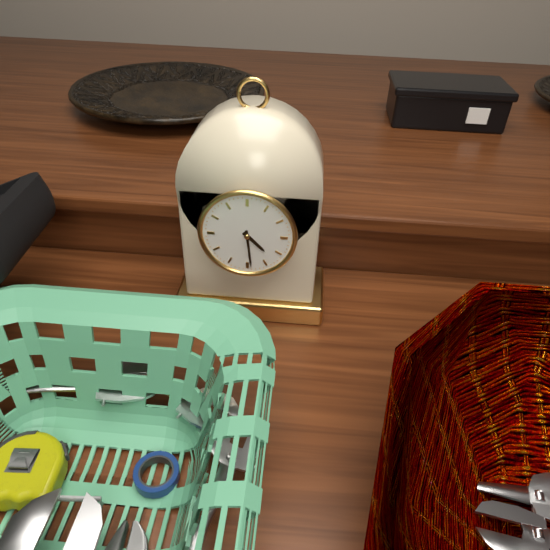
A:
4.29
